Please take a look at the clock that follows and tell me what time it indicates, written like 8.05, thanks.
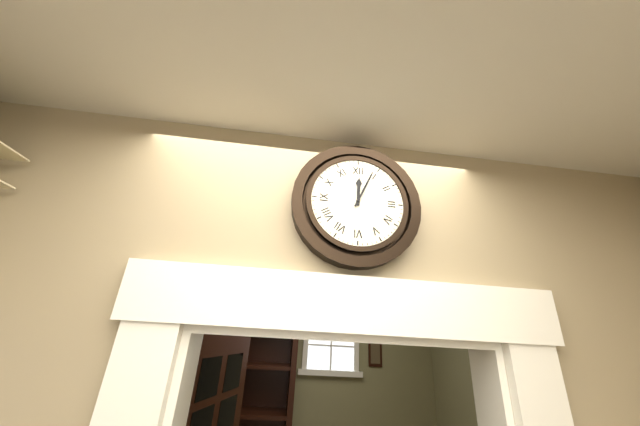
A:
12.04
